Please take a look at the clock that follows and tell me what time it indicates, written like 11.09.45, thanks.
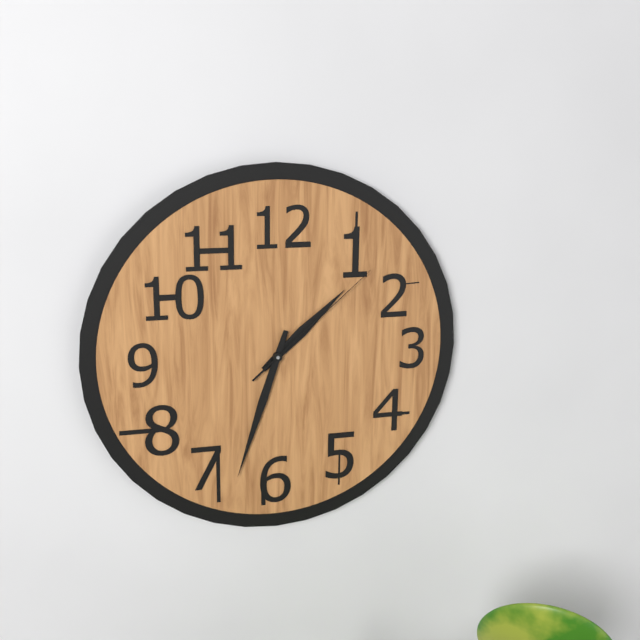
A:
1.33.08
